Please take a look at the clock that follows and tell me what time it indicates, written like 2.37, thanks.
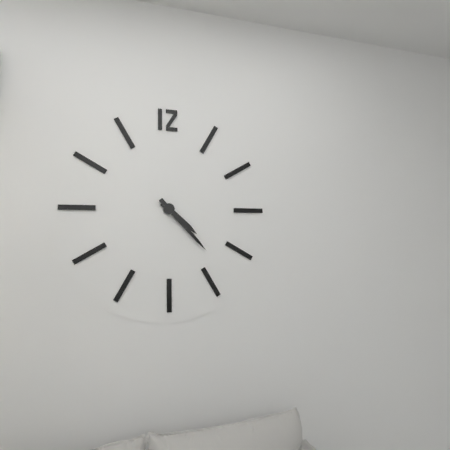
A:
4.23
